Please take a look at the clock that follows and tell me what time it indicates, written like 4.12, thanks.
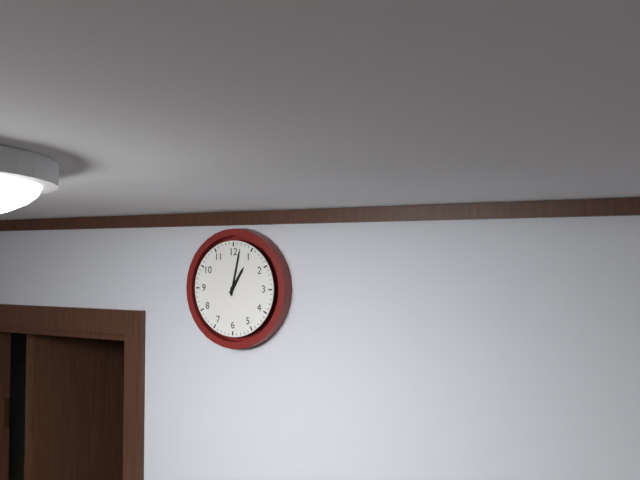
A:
1.02
